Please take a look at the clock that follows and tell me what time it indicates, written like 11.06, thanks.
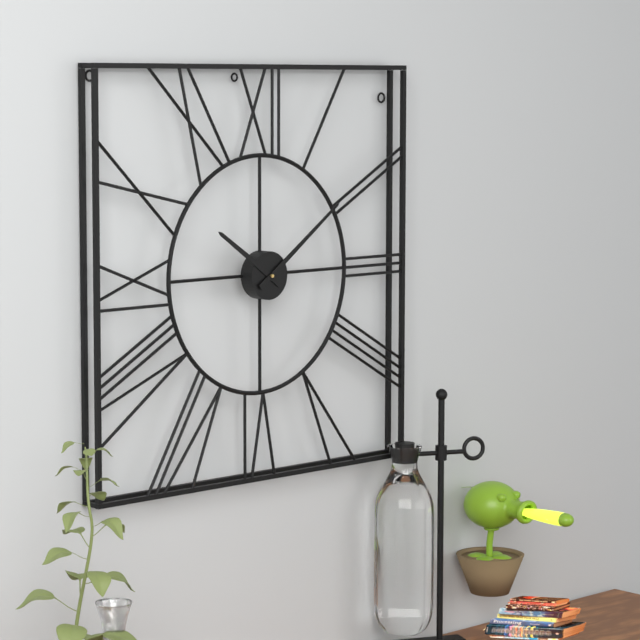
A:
10.09
